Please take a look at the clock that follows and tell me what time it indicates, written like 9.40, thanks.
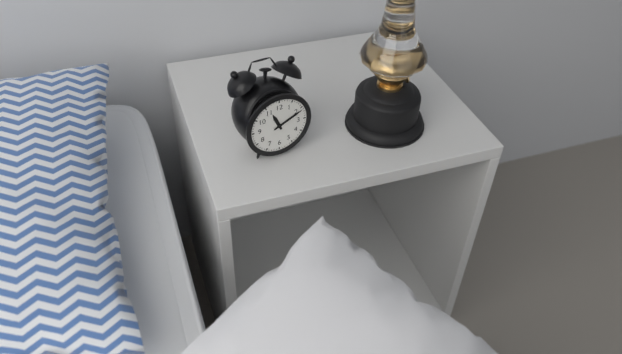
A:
11.11
